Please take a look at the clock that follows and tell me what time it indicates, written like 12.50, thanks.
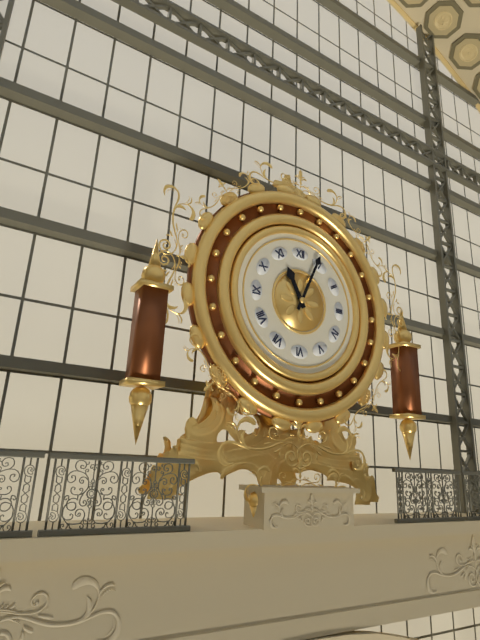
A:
11.04
